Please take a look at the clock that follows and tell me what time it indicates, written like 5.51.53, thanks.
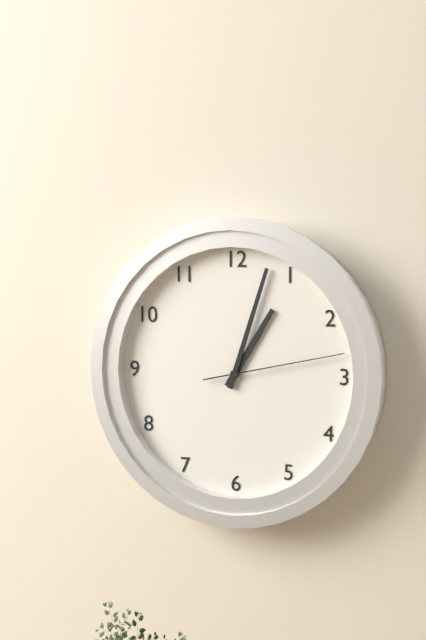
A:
1.03.13
